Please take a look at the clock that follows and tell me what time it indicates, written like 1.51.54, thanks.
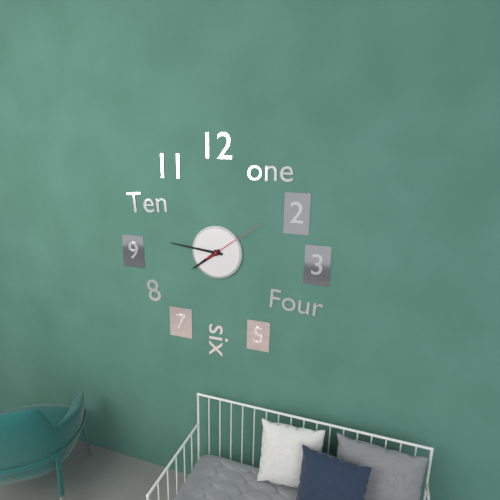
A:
7.46.09
